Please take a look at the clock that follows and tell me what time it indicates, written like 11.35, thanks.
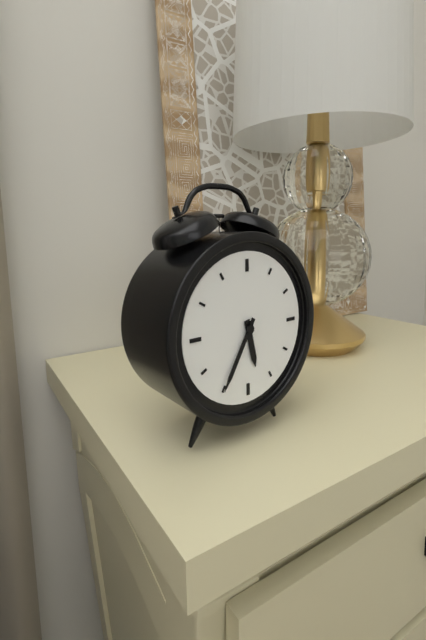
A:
5.35
